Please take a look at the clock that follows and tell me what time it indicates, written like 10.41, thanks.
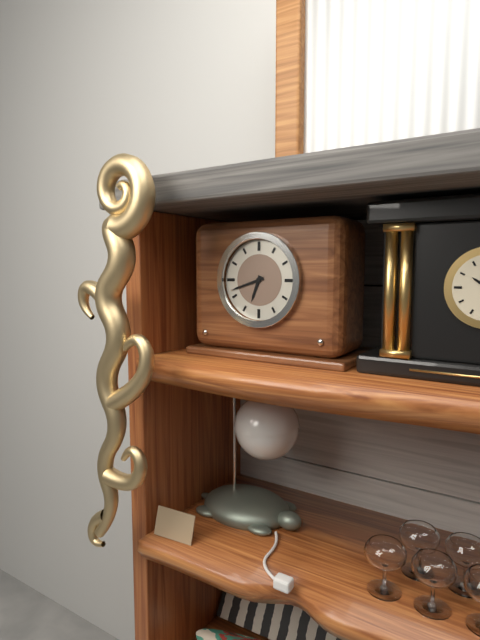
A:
6.42
